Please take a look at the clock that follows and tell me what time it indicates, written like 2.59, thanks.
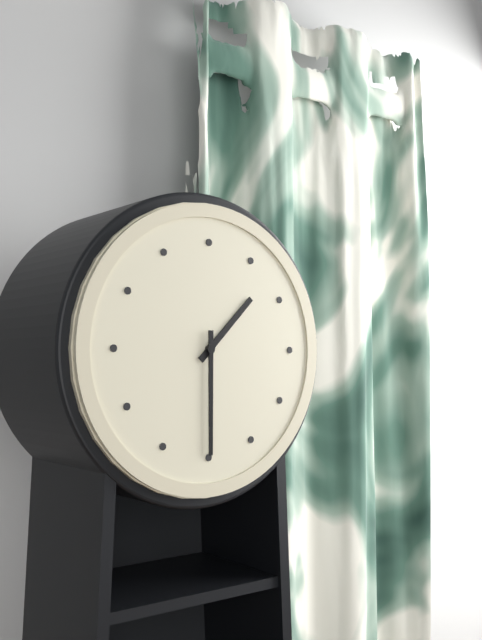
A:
1.30
